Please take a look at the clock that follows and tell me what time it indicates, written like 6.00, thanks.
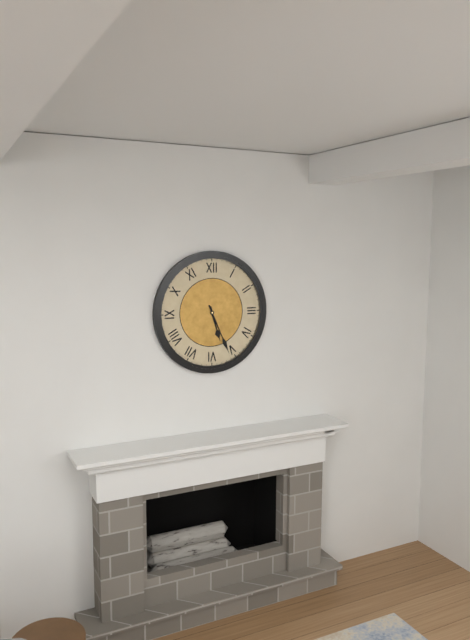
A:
5.26
